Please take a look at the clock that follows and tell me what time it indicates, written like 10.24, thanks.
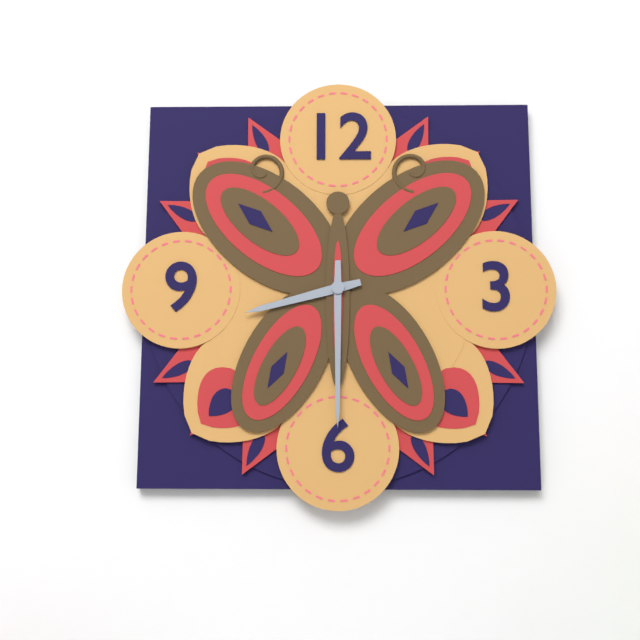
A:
8.30
